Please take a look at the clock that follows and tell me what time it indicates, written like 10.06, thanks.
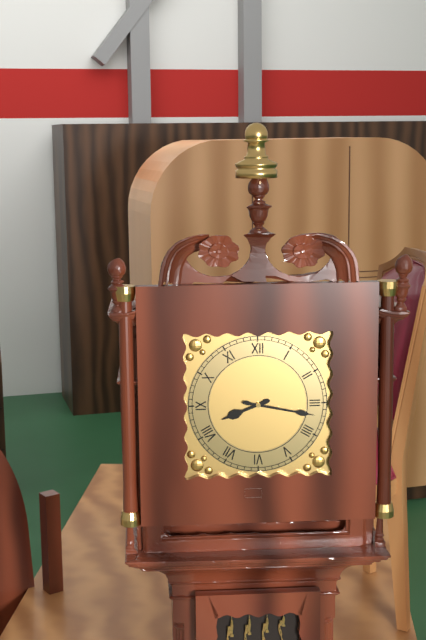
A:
8.17
